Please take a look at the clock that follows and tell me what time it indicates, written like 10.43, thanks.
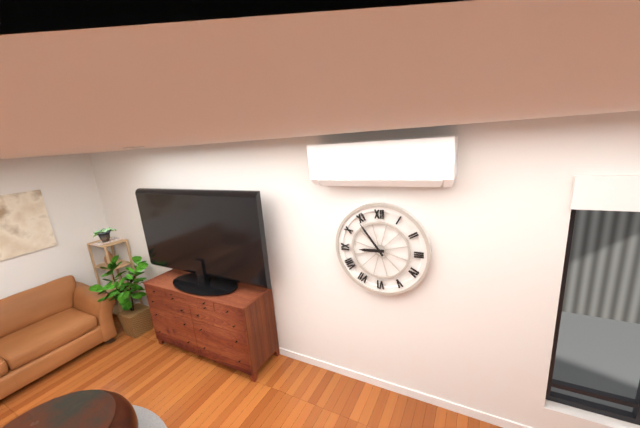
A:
8.54
